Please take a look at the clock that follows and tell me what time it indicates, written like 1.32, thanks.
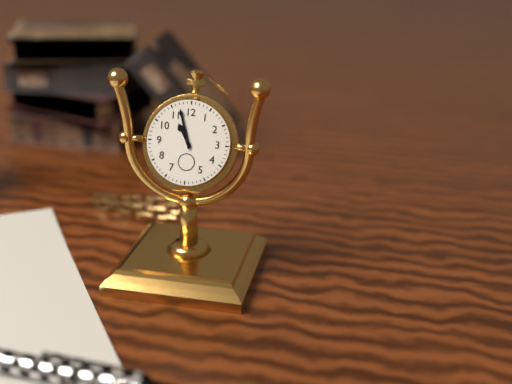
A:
10.57
